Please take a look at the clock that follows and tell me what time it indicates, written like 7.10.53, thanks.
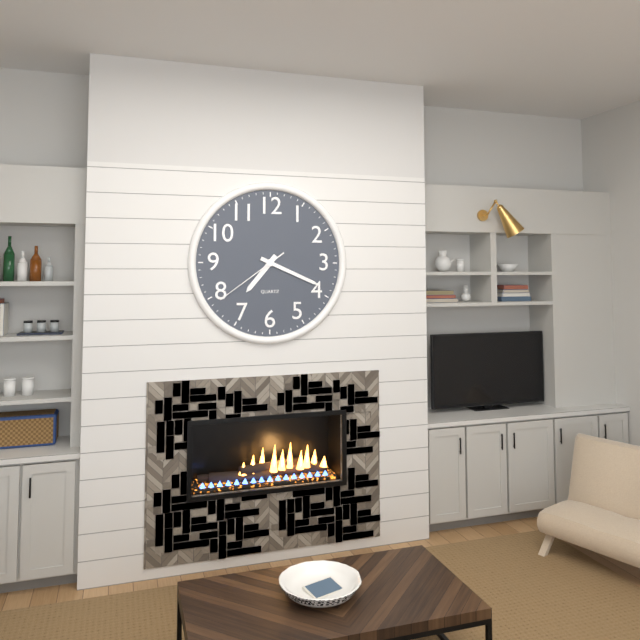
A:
7.19.39
